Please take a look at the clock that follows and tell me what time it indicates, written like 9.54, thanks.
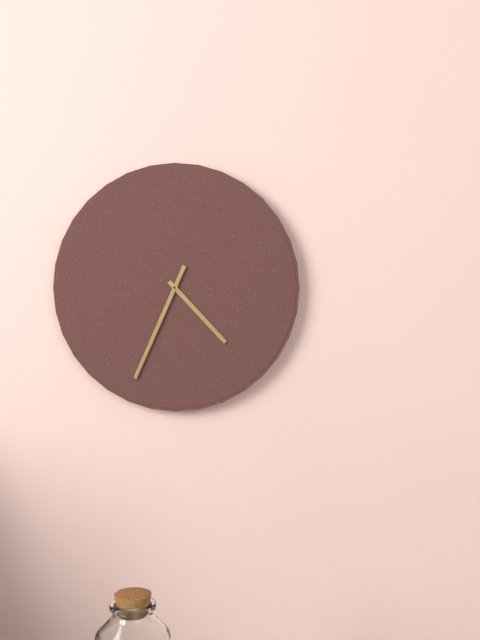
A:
4.34
